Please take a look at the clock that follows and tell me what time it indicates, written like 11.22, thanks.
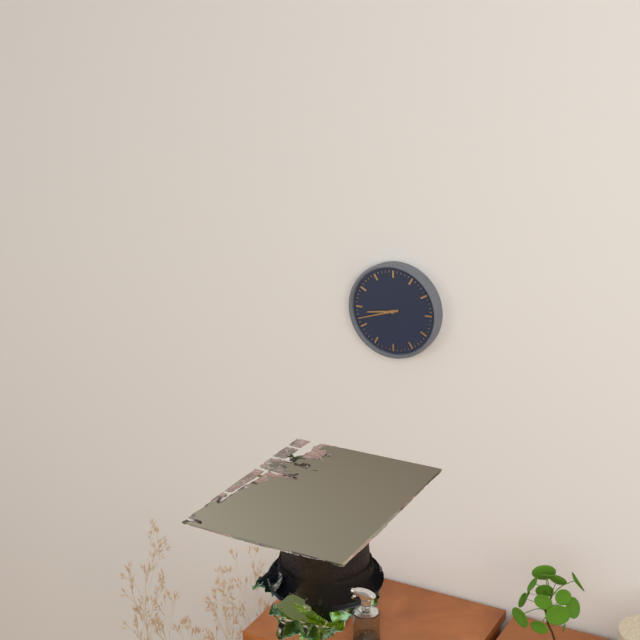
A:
8.42
